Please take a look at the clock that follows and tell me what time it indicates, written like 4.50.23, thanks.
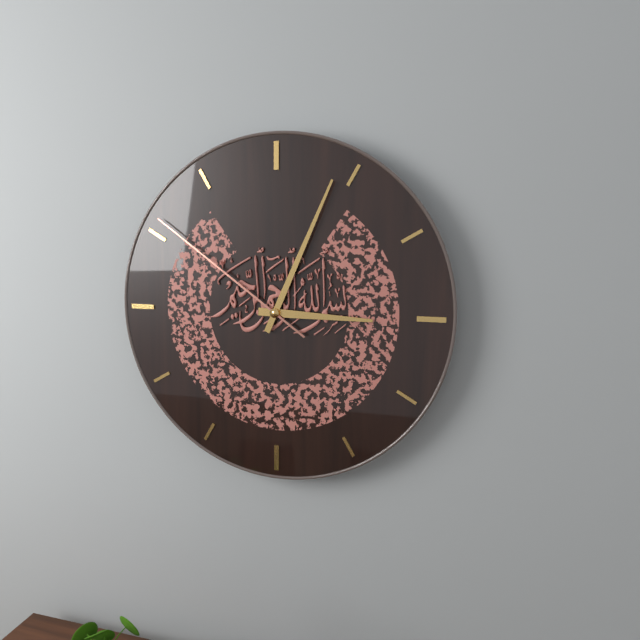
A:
3.04.51
